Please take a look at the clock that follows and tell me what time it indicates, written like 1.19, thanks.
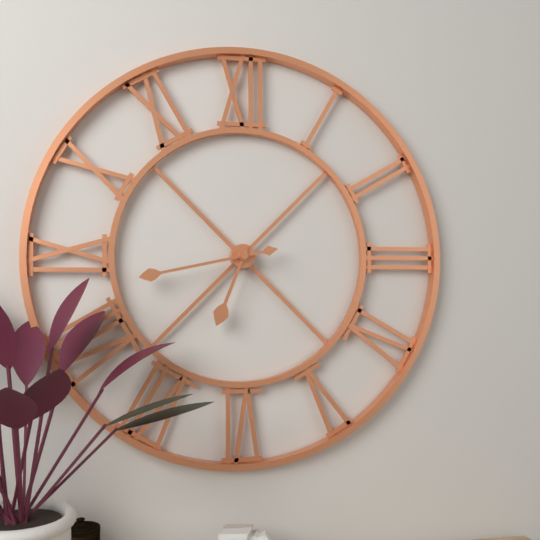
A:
6.43
